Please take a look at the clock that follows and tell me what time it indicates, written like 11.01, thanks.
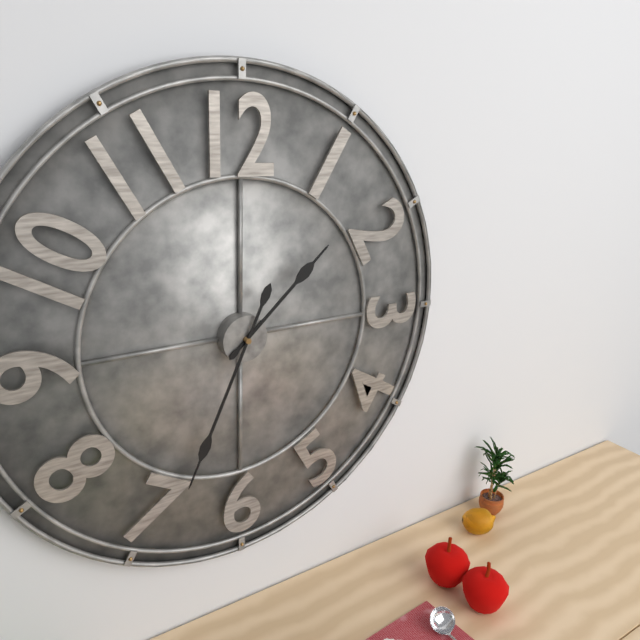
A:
1.34
